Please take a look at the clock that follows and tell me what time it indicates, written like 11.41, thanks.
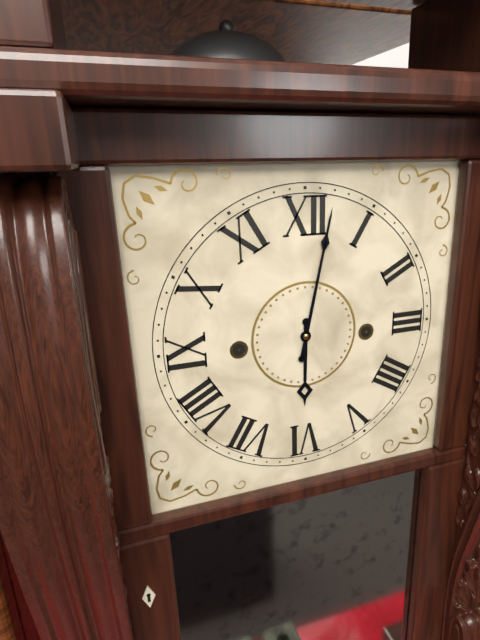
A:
6.02
